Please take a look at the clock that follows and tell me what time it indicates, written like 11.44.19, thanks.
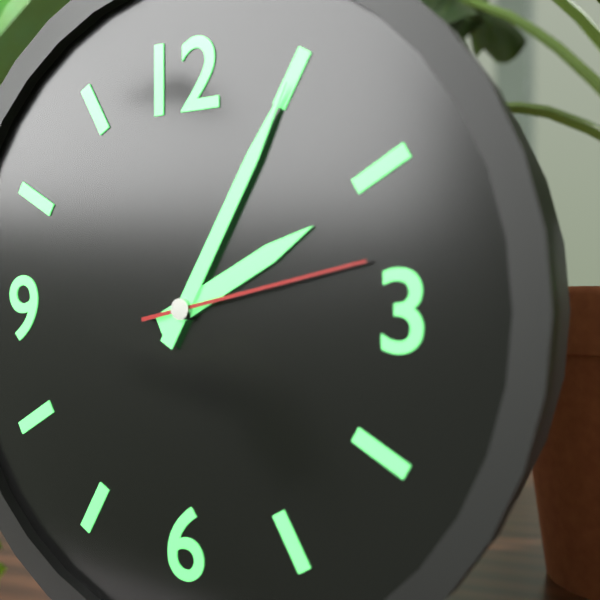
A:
2.05.13
